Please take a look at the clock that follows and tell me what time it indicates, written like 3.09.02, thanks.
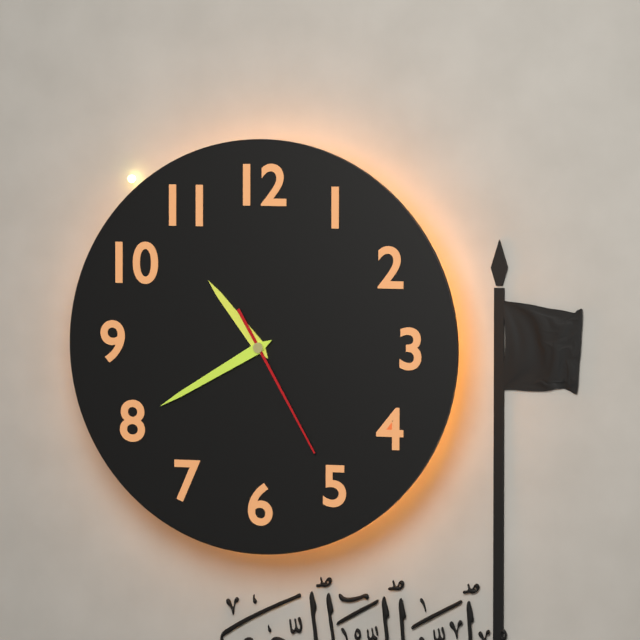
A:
10.40.25
